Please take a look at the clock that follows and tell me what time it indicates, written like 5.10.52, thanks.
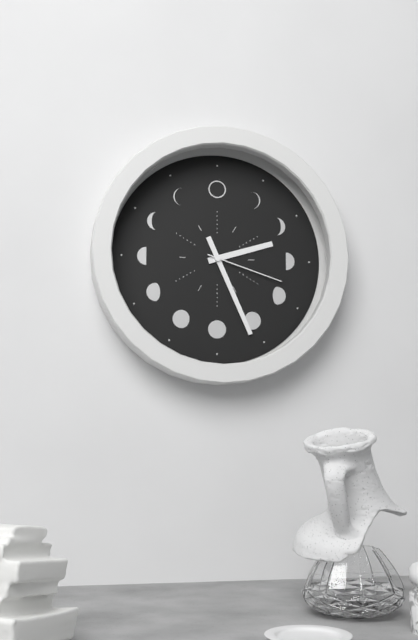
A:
2.26.18
